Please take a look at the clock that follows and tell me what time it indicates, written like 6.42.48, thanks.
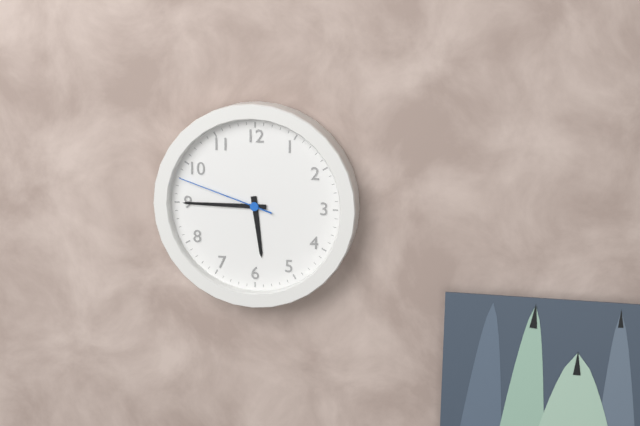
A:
5.45.48
